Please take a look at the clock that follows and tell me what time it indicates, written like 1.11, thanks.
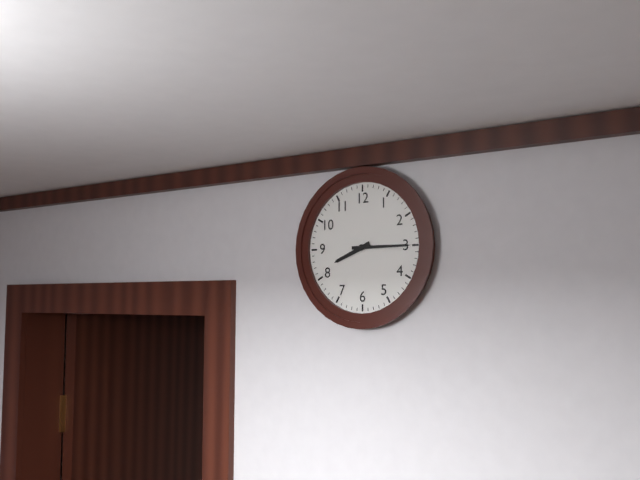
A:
8.15
